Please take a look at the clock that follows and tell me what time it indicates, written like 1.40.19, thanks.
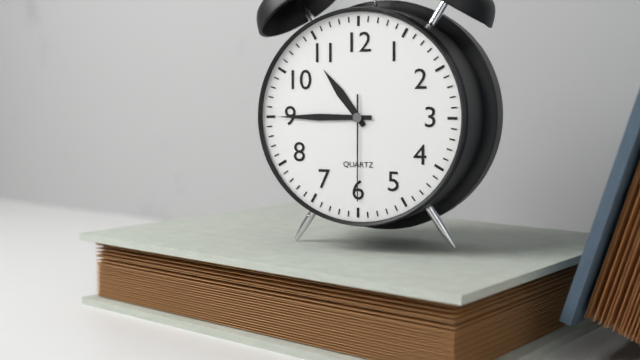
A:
10.45.30
